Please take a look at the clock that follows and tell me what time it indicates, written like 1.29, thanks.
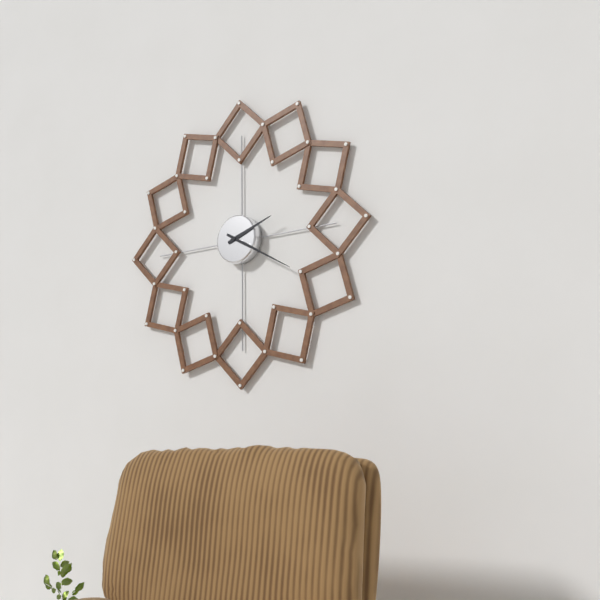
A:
2.20
